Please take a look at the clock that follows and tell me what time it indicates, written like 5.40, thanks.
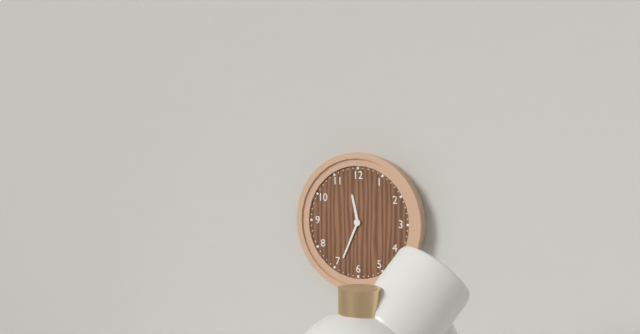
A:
11.34
